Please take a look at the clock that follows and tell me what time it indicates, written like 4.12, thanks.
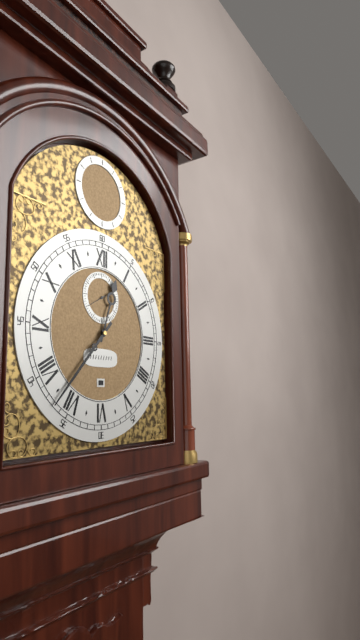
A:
12.37
